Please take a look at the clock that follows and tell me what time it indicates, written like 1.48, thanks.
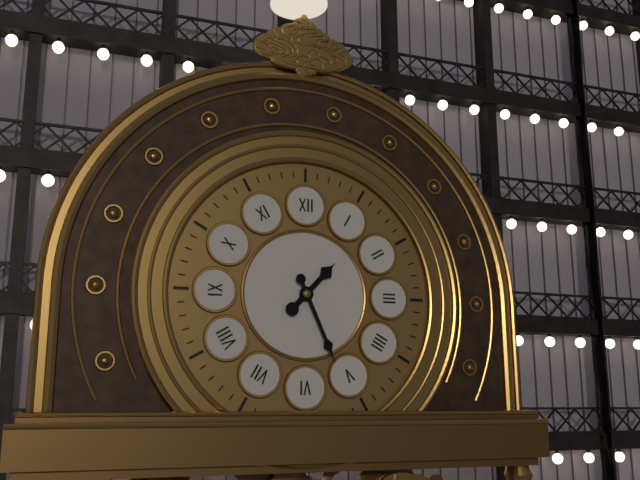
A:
1.26
